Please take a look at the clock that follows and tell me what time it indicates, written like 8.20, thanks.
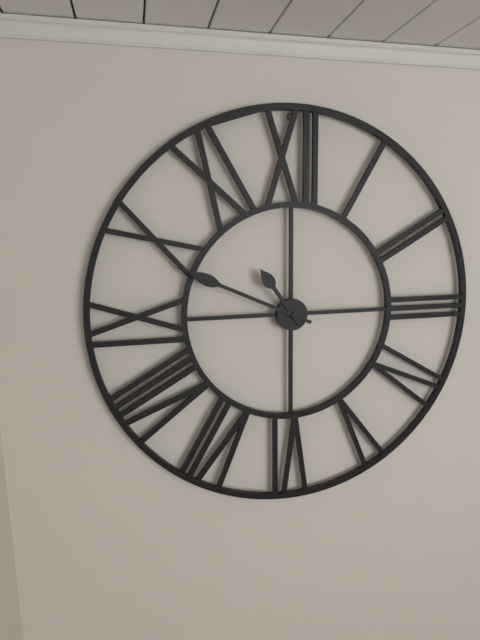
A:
10.49
